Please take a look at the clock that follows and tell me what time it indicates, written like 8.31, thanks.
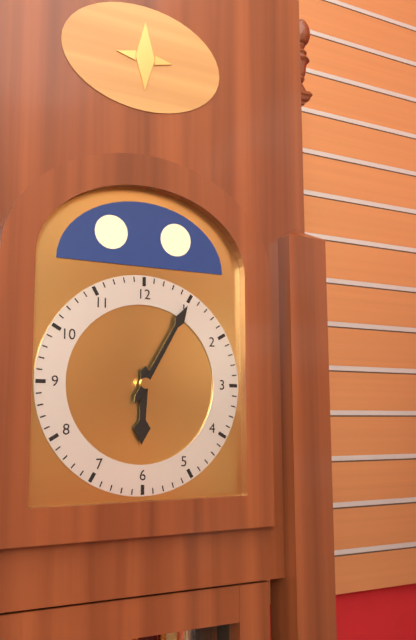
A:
6.05
